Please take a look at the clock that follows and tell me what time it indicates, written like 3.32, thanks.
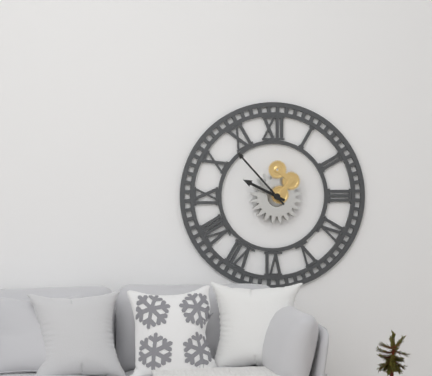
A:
9.53
